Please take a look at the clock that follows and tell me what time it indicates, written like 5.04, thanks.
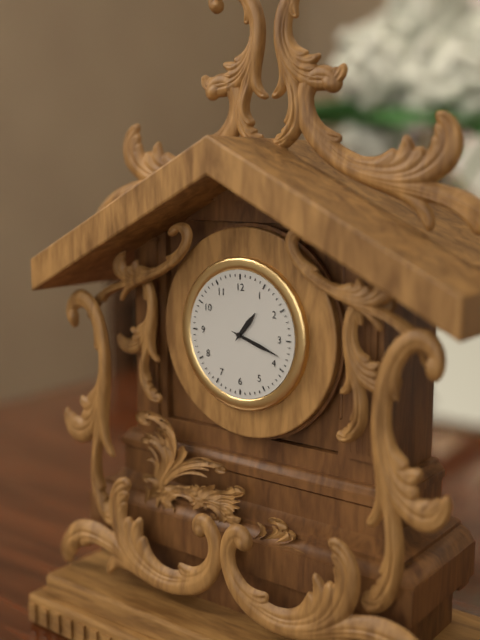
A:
1.18
